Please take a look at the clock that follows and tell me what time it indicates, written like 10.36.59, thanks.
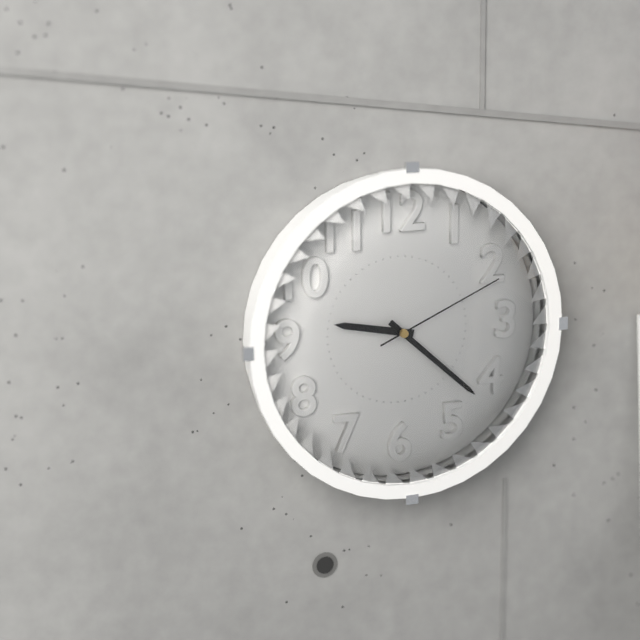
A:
9.22.11
